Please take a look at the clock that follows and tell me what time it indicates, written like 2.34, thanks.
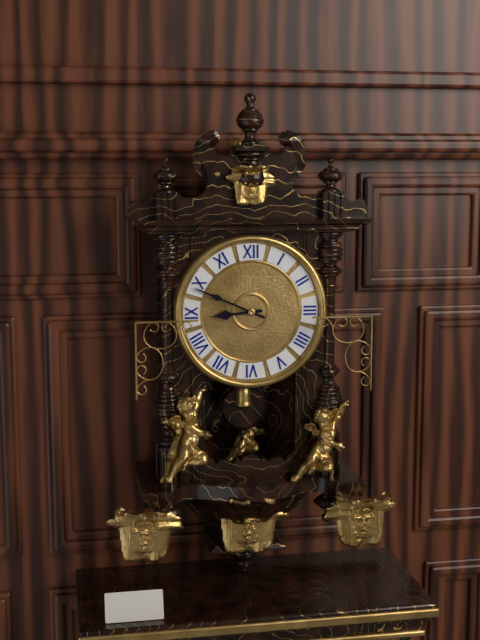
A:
8.49
